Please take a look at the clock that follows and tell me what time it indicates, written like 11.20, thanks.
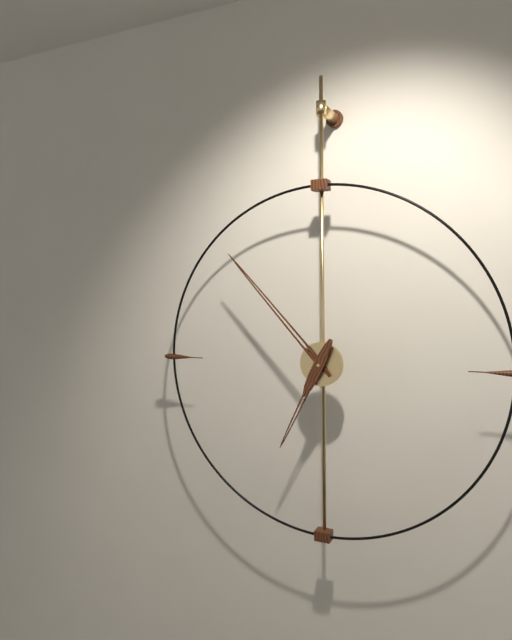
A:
6.53
